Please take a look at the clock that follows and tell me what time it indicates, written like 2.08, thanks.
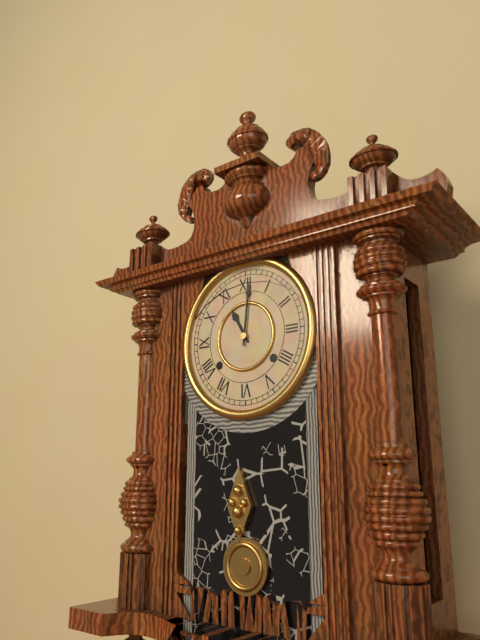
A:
11.01
